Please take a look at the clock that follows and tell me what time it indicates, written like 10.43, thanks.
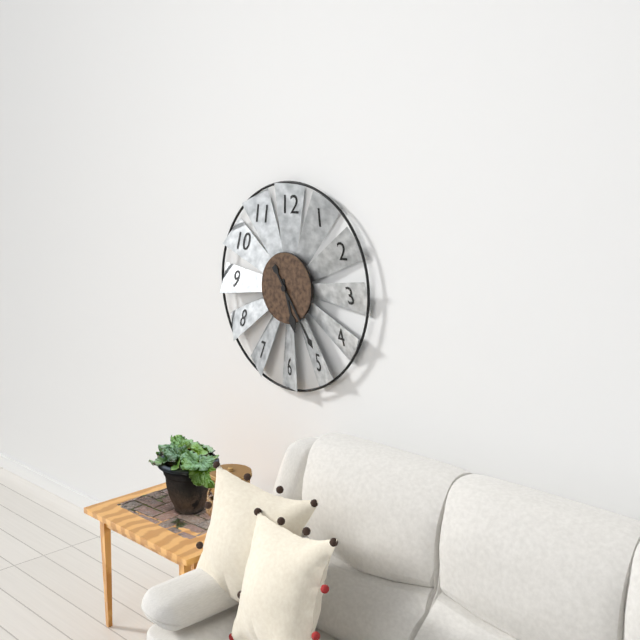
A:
5.24
